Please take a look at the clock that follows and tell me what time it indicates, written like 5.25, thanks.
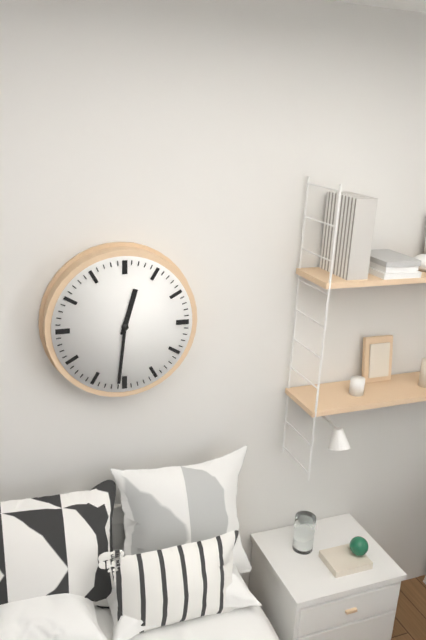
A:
12.31
